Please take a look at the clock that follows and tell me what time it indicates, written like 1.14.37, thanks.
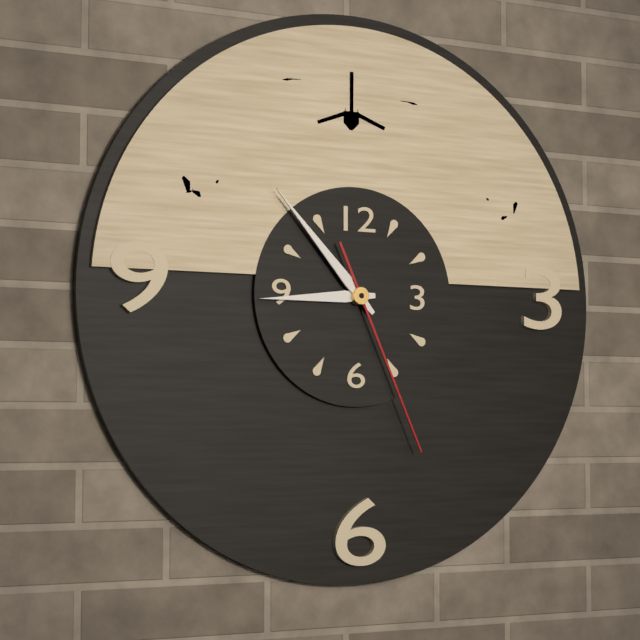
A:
8.53.26
